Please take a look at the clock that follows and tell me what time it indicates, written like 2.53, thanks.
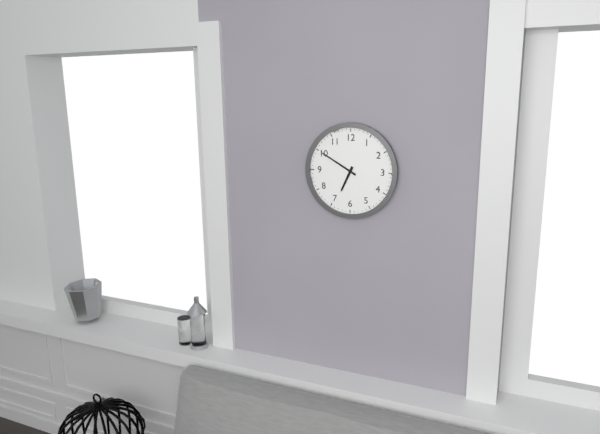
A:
6.50
